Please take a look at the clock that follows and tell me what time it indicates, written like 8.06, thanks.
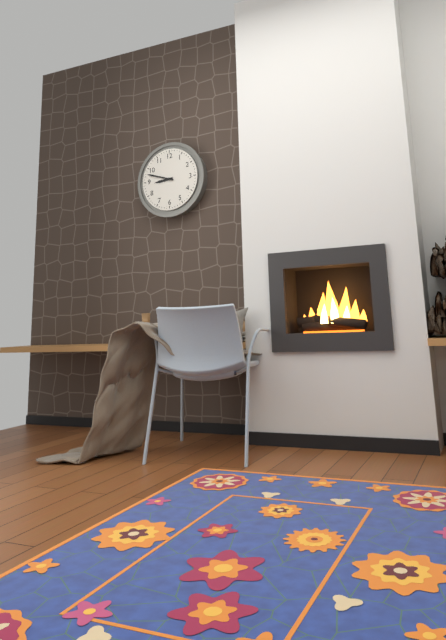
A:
8.48
